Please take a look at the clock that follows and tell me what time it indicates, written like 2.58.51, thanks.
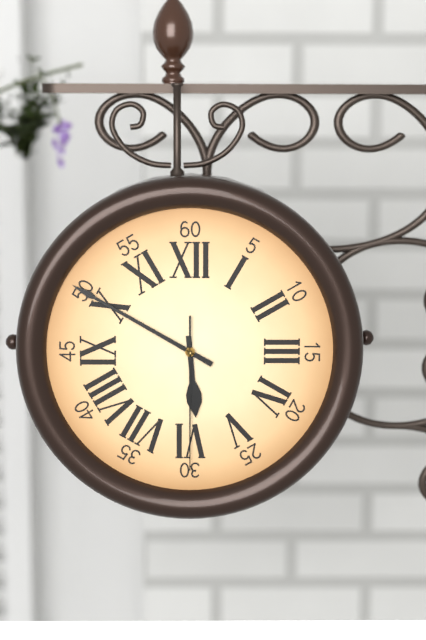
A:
5.50.30
